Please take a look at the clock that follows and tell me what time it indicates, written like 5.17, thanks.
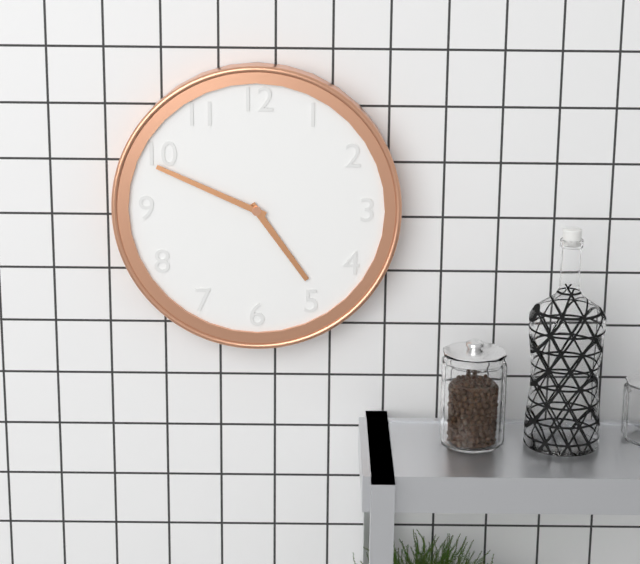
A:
4.49
